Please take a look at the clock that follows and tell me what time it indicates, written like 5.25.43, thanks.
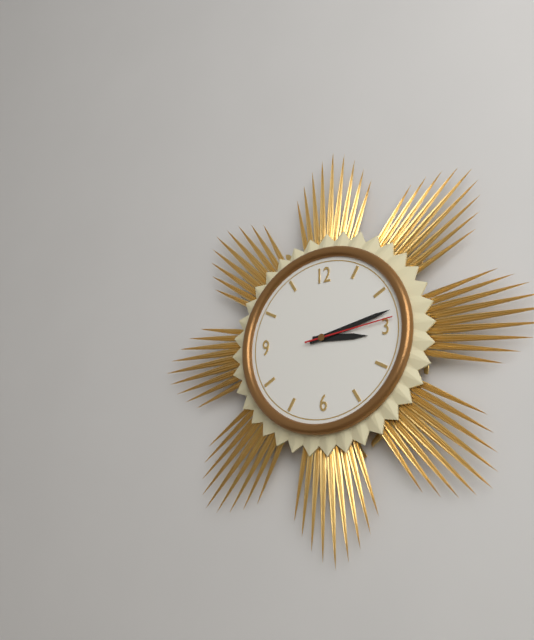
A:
3.13.14
